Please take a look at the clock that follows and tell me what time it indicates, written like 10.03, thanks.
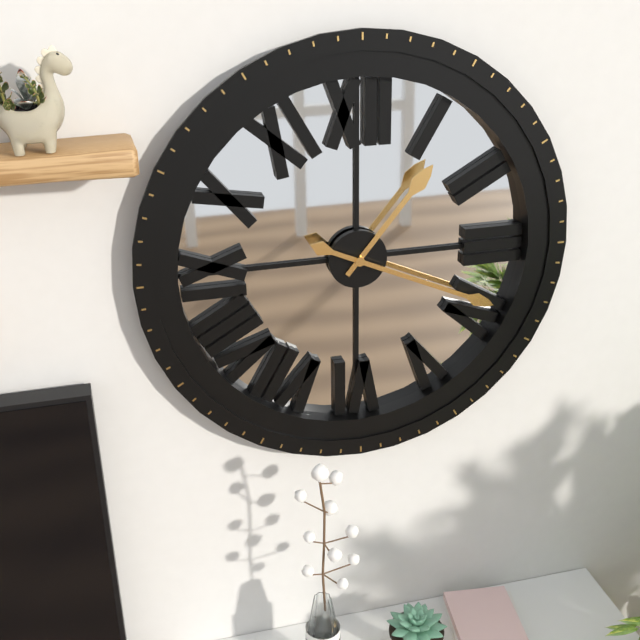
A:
1.19
